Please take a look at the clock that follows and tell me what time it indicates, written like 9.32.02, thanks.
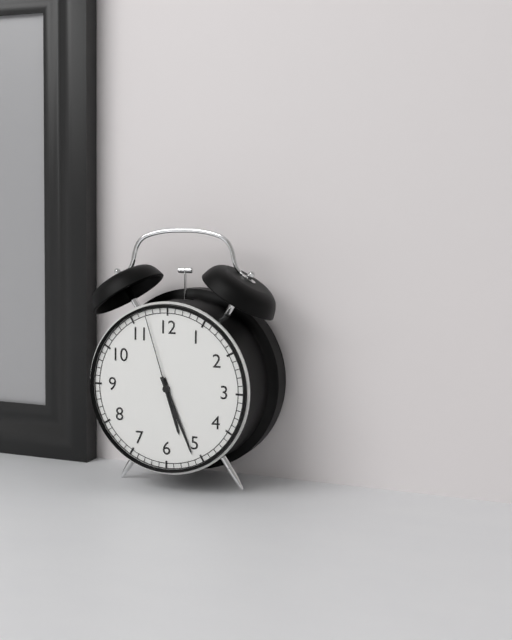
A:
5.26.57
